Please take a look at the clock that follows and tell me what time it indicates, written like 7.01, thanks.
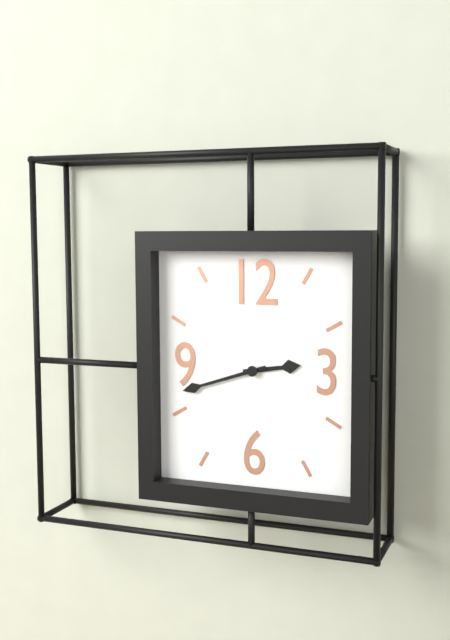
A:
2.42
